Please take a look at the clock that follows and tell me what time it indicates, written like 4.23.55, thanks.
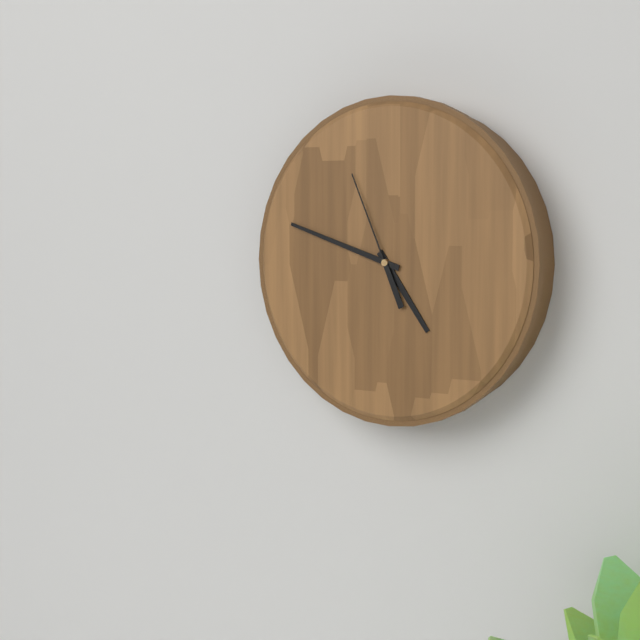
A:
4.48.56
